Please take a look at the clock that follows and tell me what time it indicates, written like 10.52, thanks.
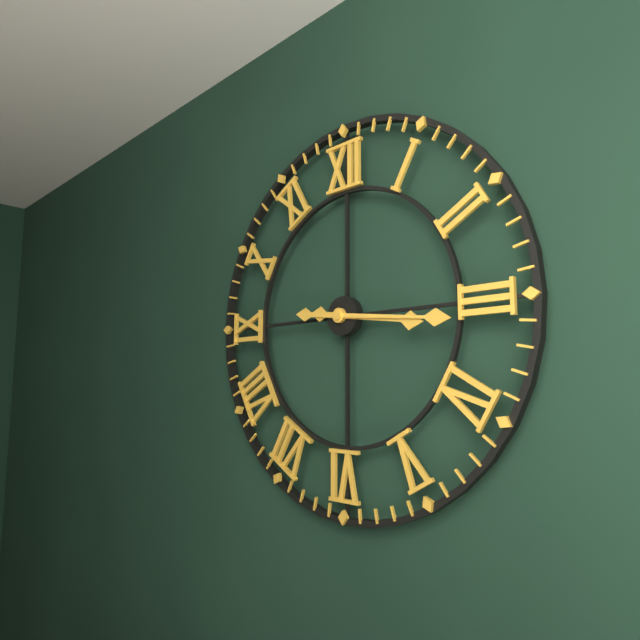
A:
3.16
